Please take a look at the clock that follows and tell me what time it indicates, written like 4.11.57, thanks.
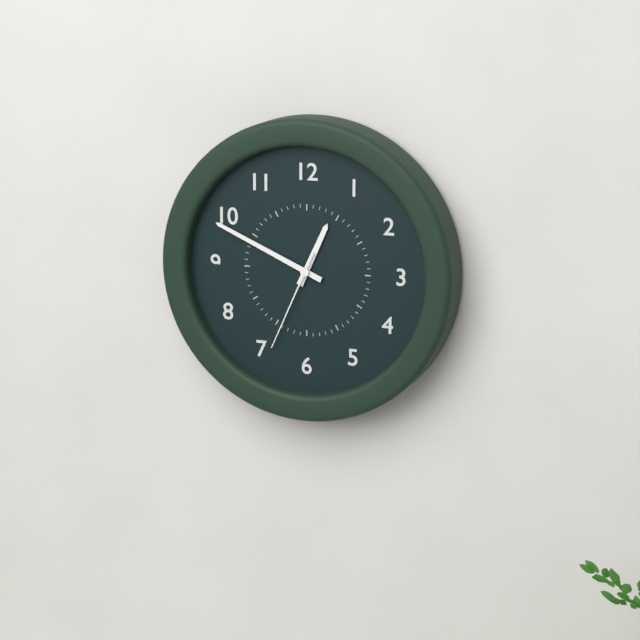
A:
12.49.34
